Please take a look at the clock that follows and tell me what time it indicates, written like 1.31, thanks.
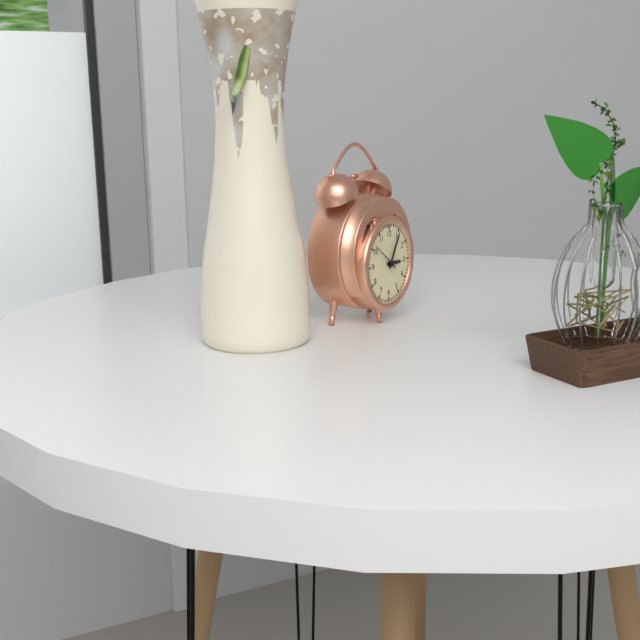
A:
3.05
